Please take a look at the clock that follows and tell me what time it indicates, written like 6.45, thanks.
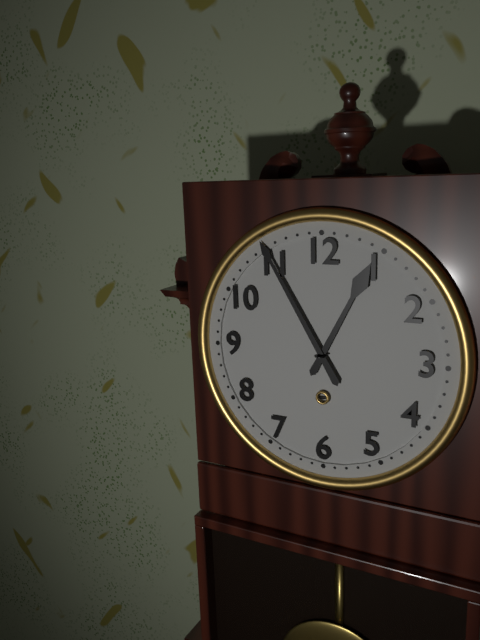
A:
12.55
